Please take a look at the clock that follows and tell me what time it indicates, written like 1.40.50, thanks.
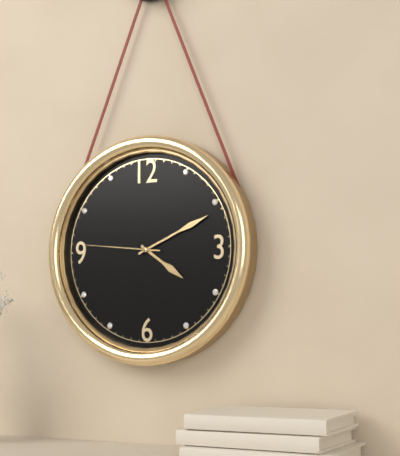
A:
4.11.46
